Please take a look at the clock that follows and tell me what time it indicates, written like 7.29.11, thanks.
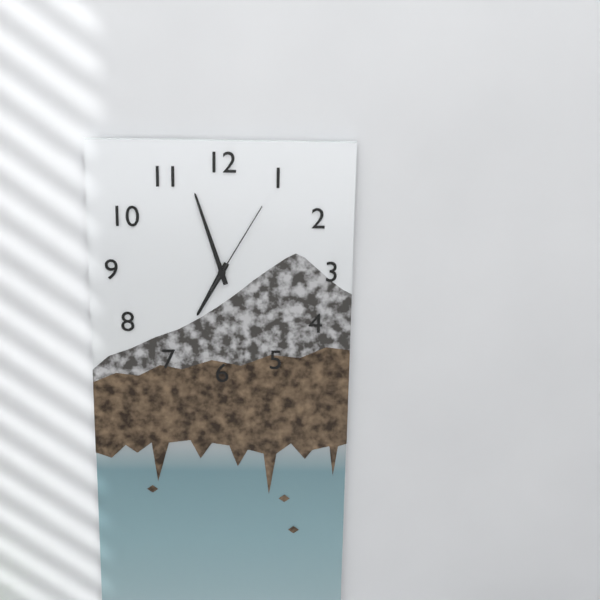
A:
6.57.05
